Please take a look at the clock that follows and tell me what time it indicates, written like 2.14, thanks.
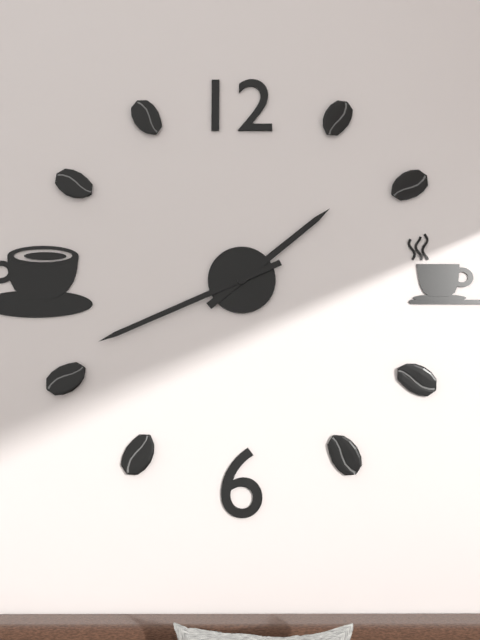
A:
1.41
